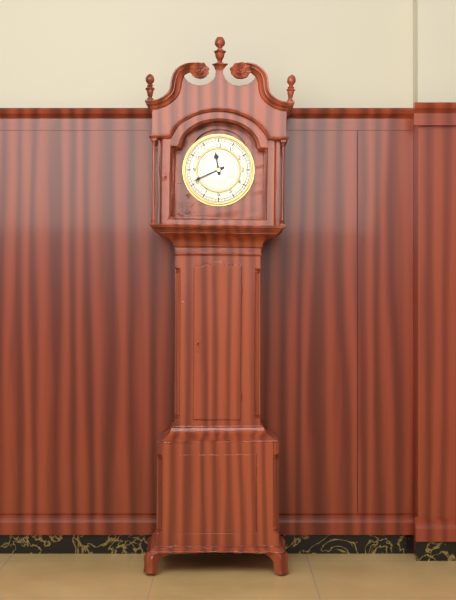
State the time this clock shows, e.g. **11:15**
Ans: **11:41**
